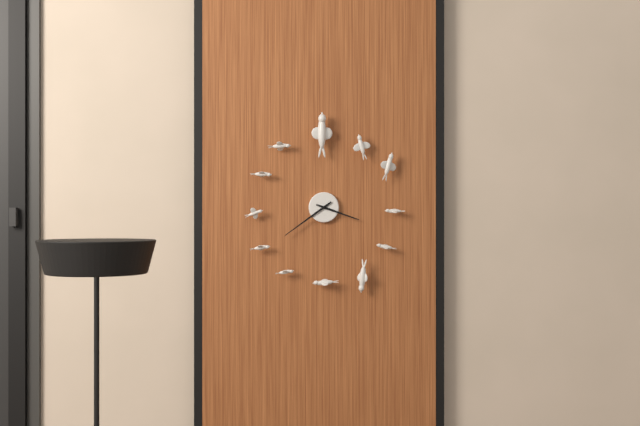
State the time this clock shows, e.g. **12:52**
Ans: **3:39**
